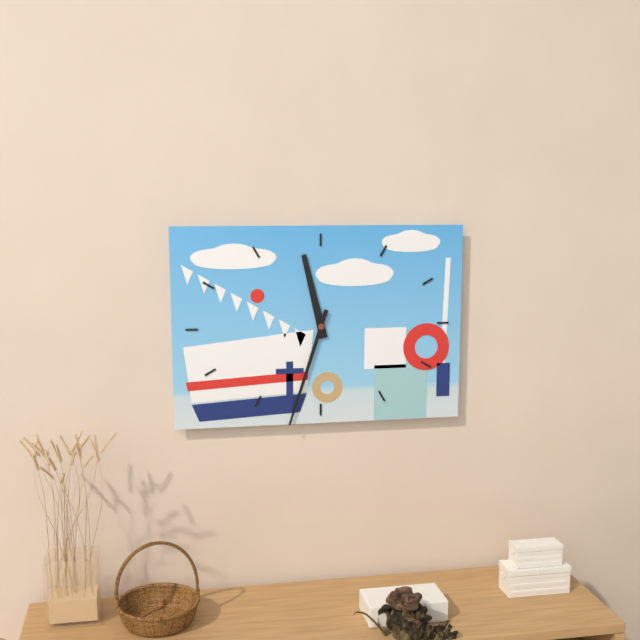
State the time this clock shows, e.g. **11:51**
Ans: **11:33**
